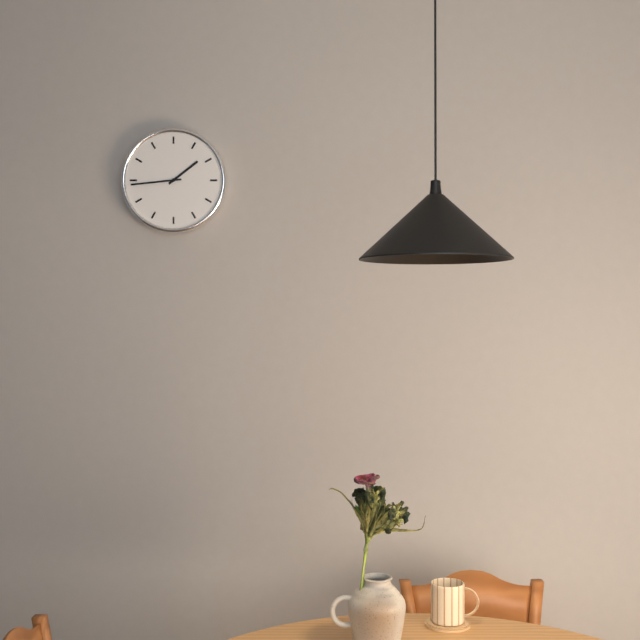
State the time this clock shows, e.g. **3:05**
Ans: **1:44**
